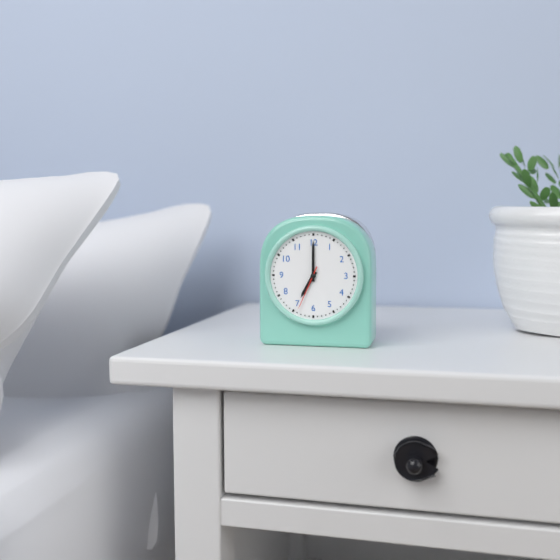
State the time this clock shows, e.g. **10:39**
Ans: **7:00**
